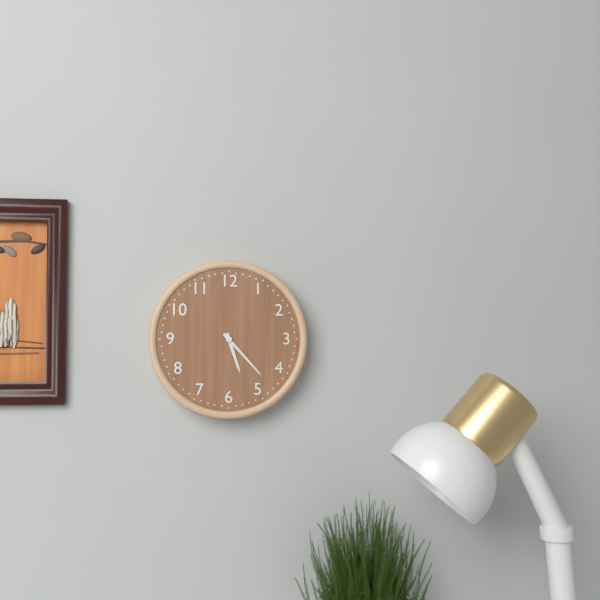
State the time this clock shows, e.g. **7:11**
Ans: **5:23**
